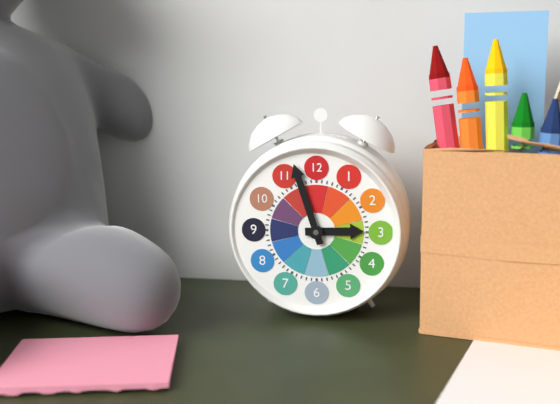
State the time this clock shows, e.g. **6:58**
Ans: **2:57**
